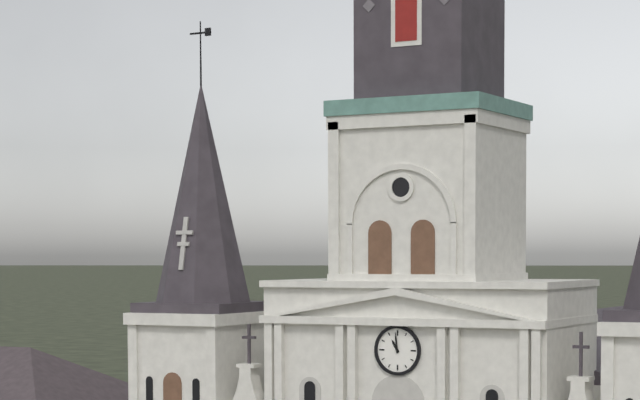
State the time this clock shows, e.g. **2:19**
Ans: **10:59**
